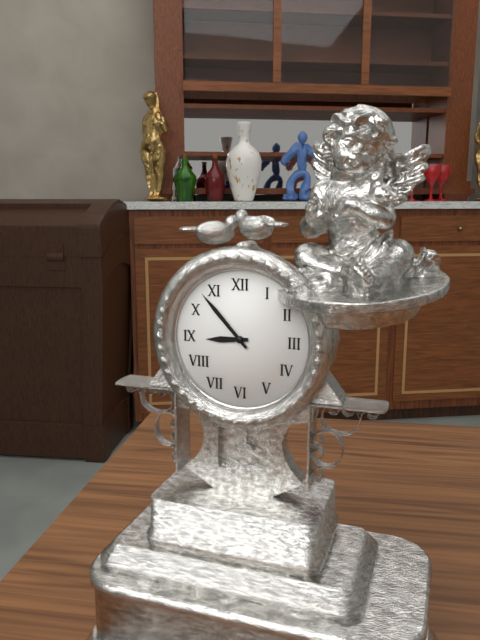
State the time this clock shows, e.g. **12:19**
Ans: **8:53**
